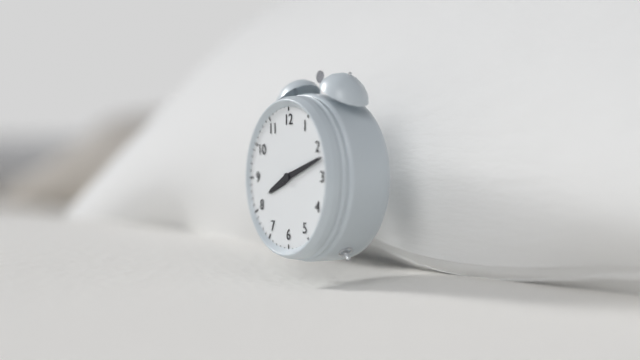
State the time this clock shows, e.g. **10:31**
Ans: **8:12**
